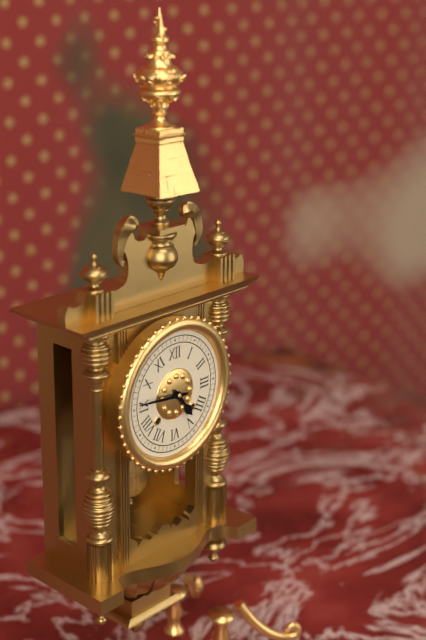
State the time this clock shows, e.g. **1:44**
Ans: **4:46**
